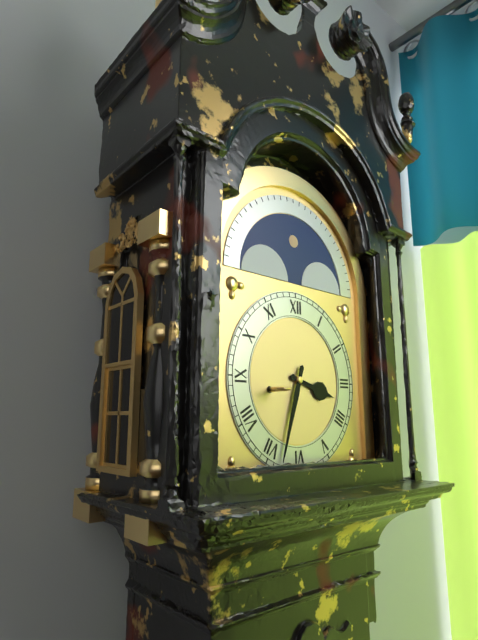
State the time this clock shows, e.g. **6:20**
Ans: **3:33**
